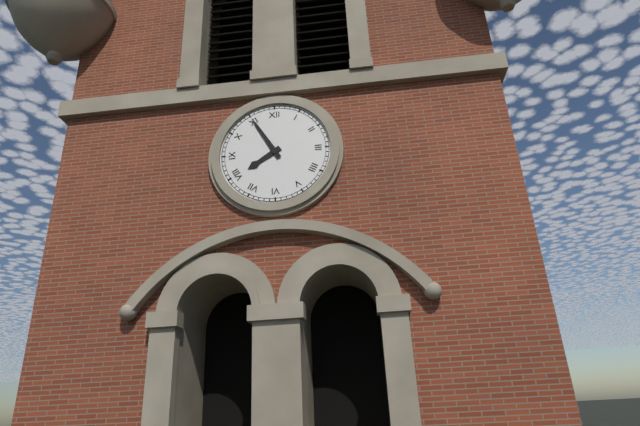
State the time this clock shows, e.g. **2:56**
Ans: **7:55**
